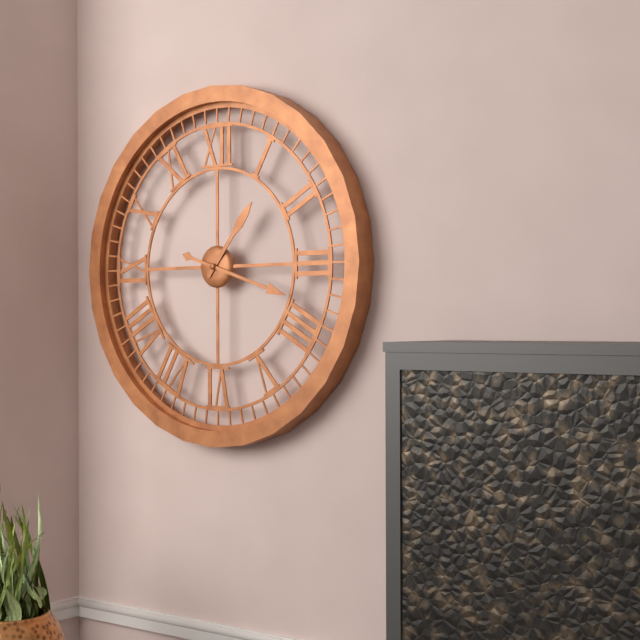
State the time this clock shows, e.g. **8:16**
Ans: **1:18**
